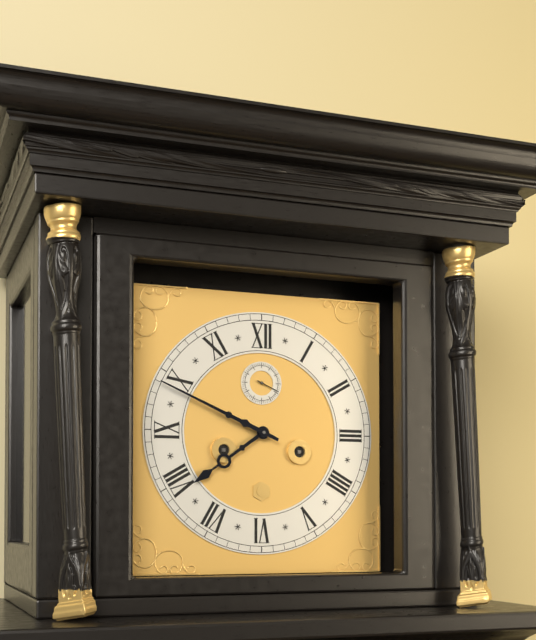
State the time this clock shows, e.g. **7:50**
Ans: **7:49**
